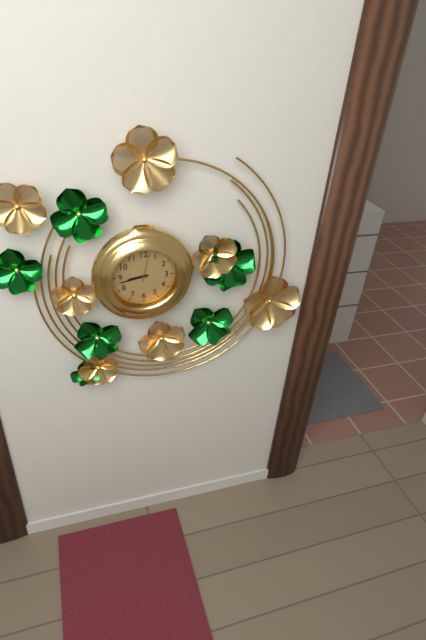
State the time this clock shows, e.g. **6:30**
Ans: **8:43**
